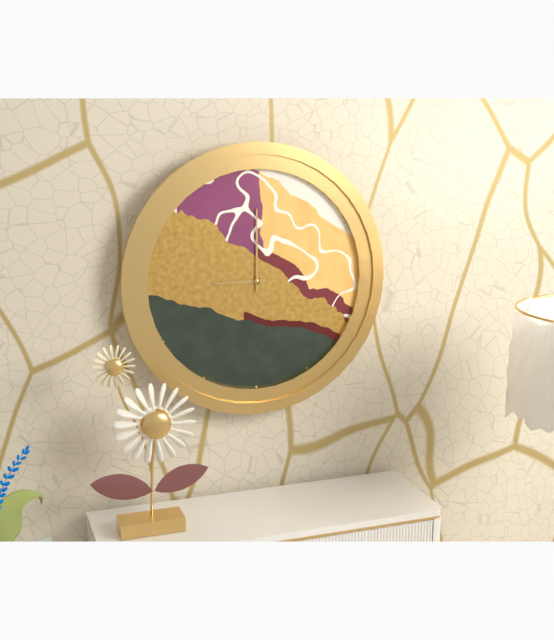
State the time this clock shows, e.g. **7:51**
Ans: **9:00**
